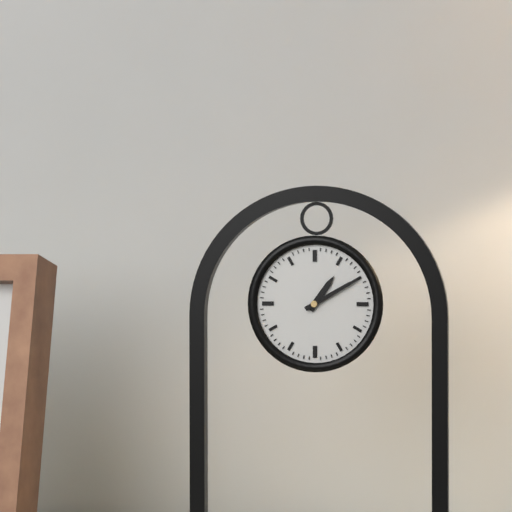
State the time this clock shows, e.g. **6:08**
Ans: **1:10**
